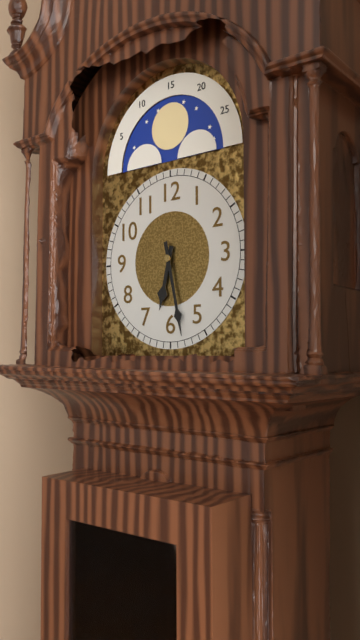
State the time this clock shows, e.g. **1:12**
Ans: **6:28**
